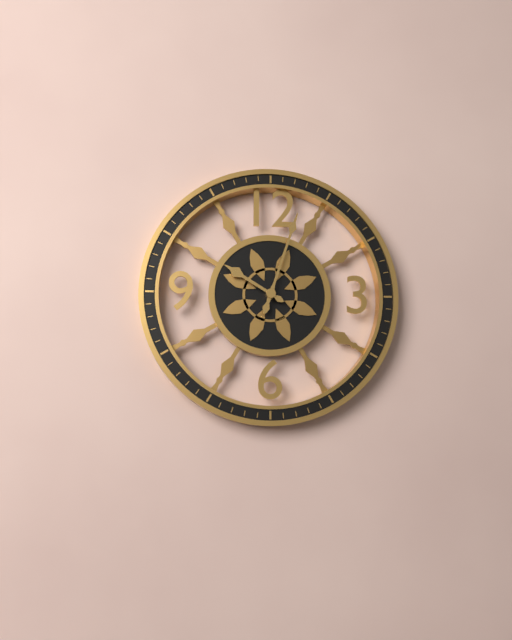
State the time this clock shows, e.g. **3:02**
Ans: **10:03**
